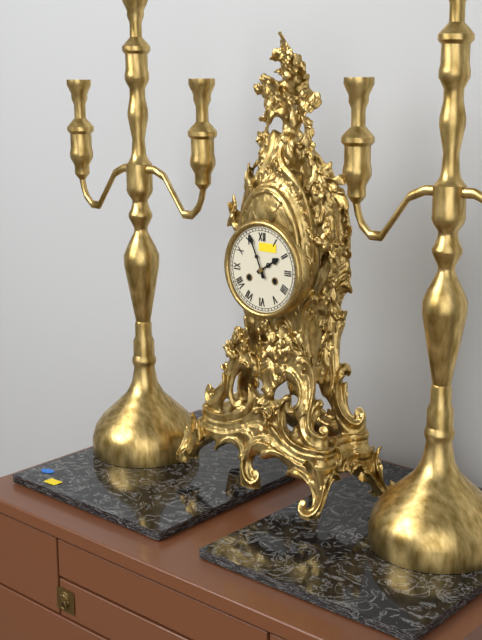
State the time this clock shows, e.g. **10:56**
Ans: **1:56**
